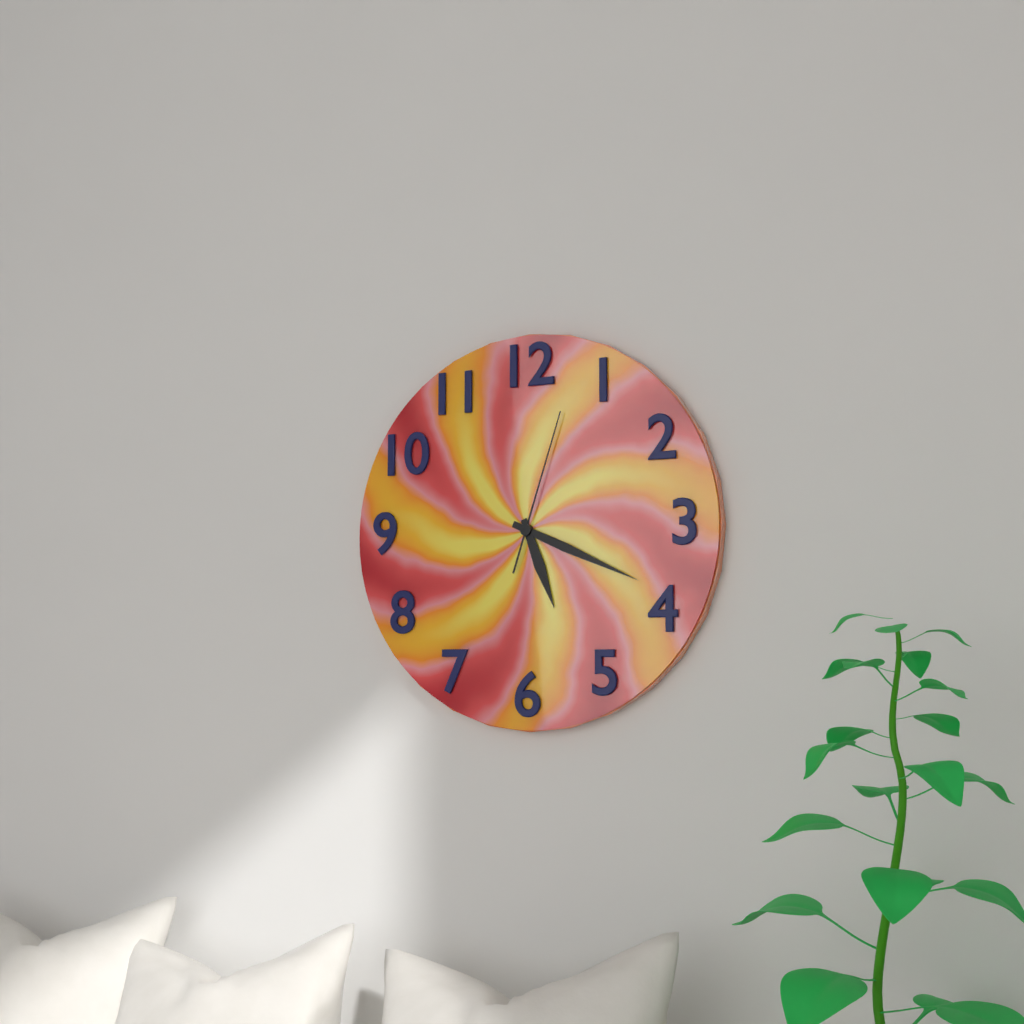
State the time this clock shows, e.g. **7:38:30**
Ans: **5:19:03**
